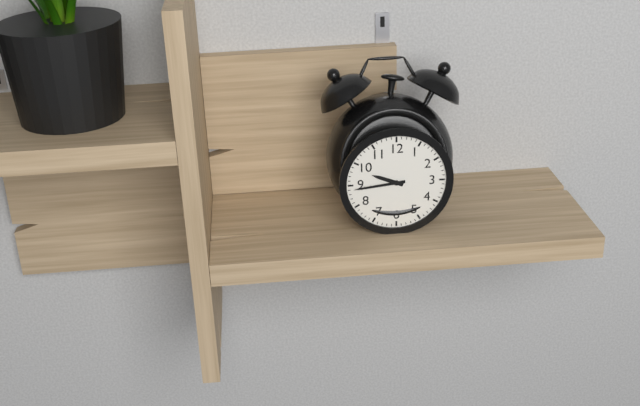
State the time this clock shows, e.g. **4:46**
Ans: **9:44**
